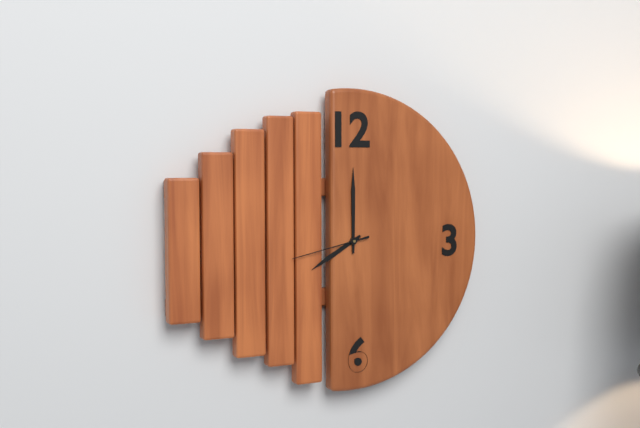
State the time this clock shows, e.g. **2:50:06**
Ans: **8:00:43**
